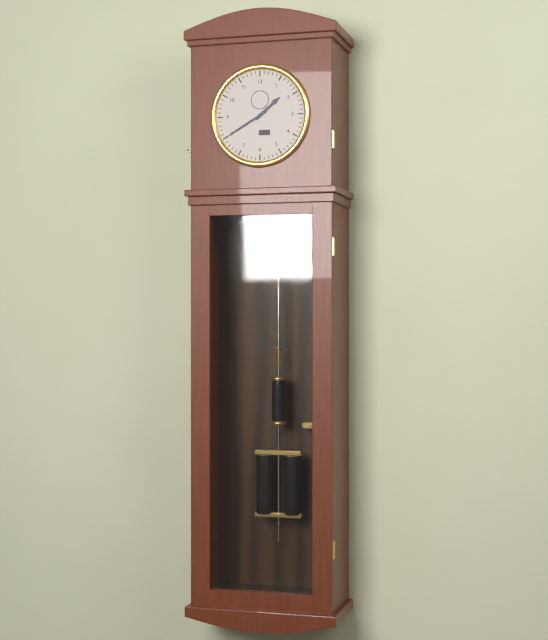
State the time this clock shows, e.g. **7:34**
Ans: **1:40**
